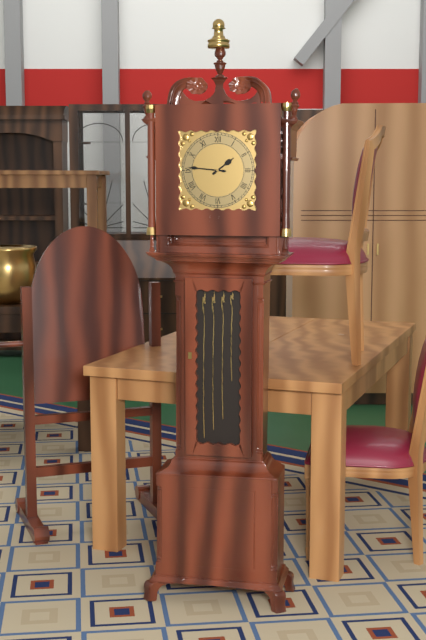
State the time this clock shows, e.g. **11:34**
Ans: **1:46**
